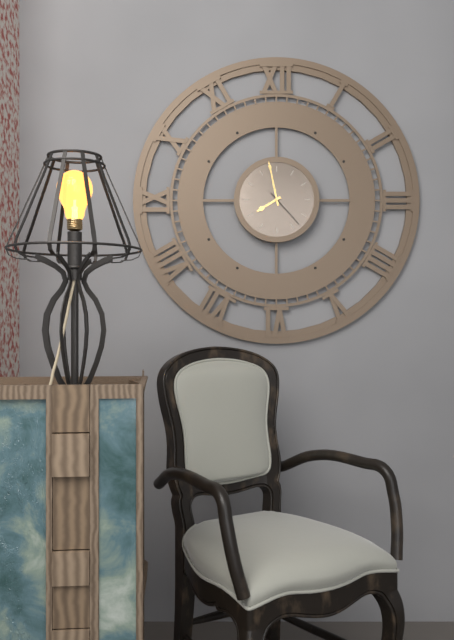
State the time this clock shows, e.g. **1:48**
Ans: **7:58**
